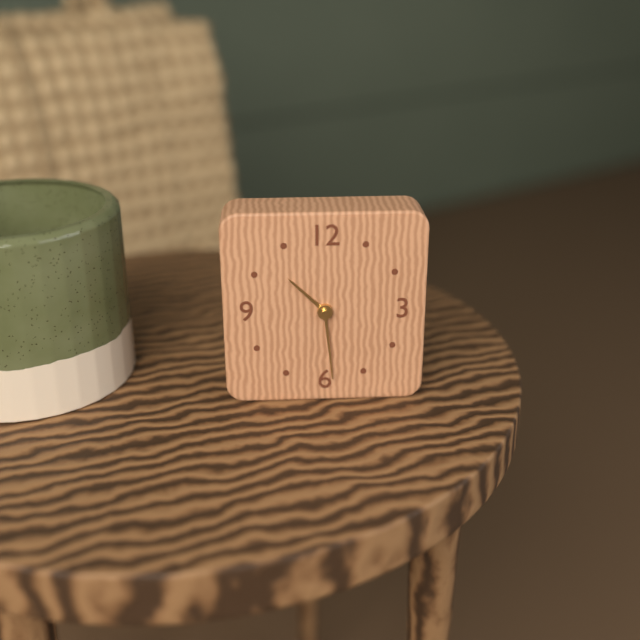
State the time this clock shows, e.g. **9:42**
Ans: **10:29**
